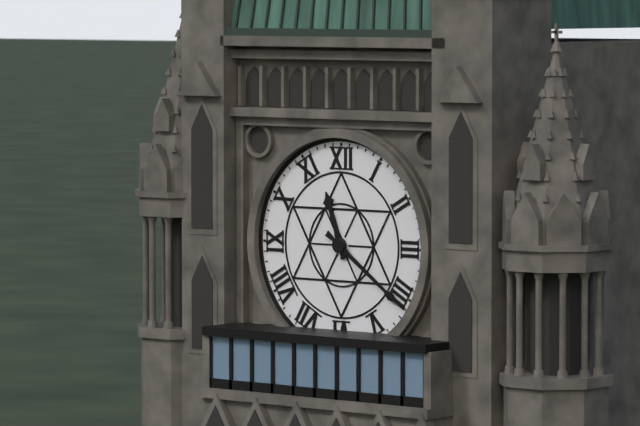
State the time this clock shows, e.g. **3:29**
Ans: **11:21**
